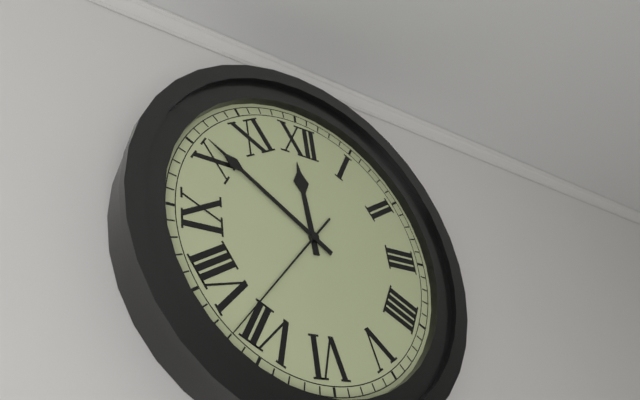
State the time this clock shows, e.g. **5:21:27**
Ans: **11:51:37**
